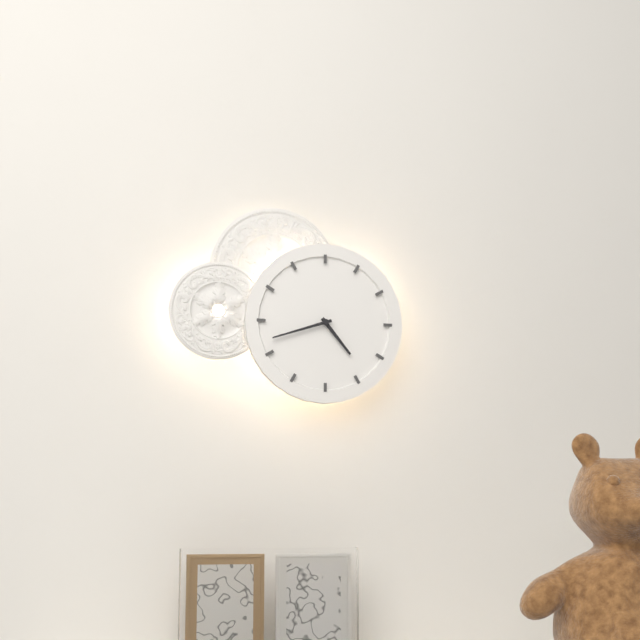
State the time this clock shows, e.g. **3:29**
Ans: **4:42**
